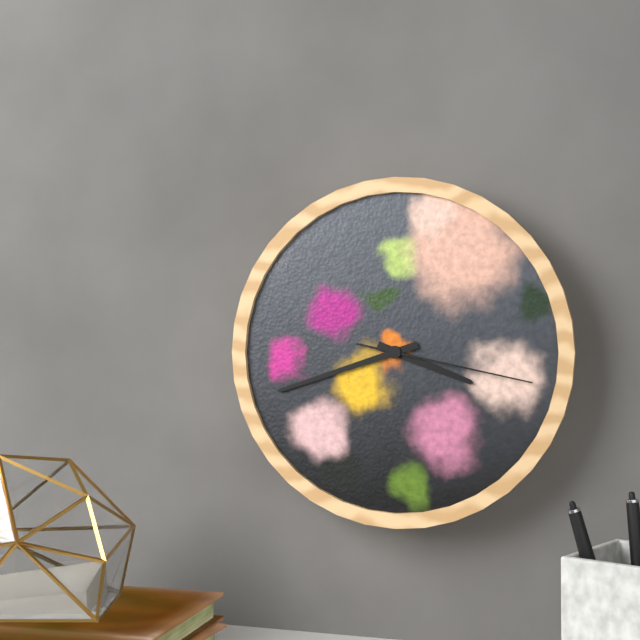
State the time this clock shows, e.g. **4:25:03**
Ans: **3:42:17**
